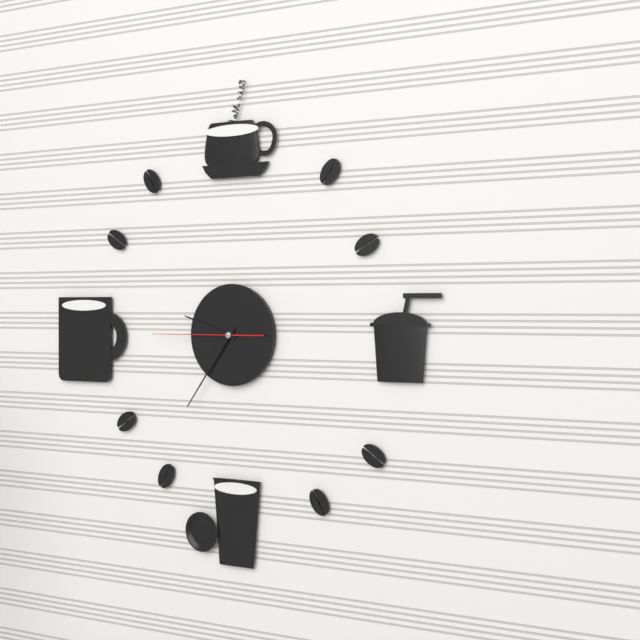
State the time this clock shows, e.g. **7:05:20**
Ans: **9:36:45**
